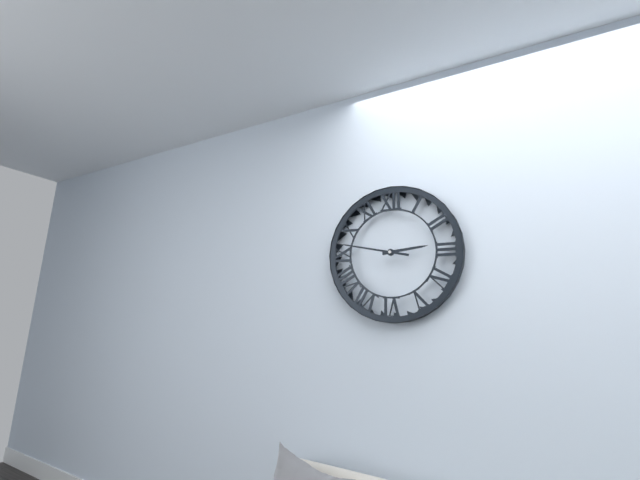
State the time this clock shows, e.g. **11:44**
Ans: **2:47**
